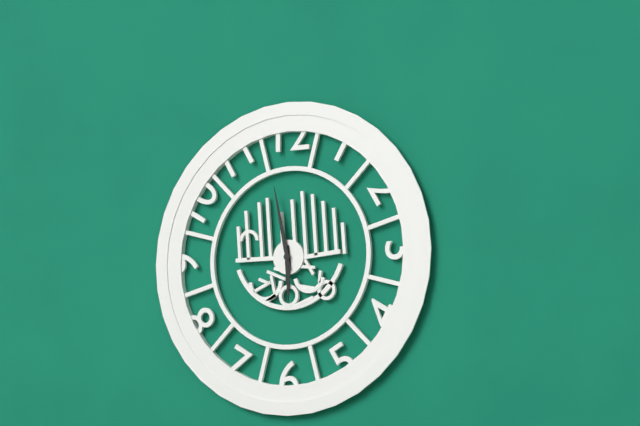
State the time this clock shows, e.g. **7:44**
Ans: **5:58**
